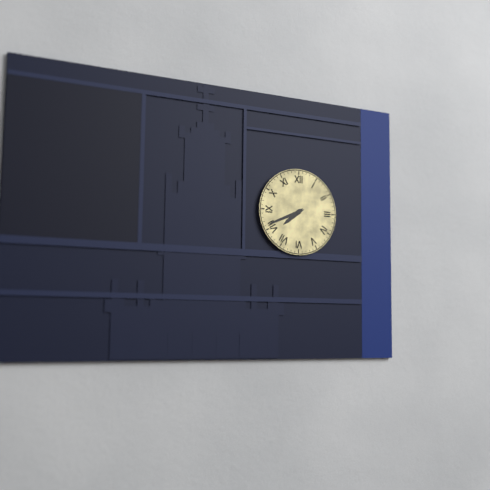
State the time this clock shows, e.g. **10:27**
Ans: **7:41**
